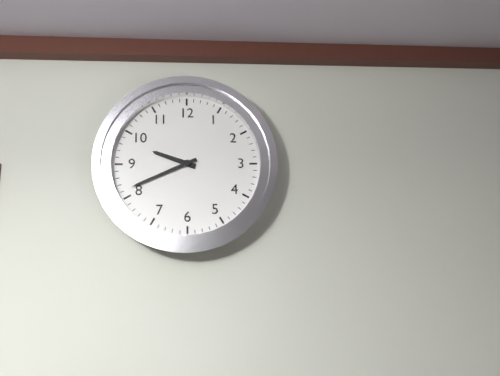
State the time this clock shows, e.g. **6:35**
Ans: **9:41**
